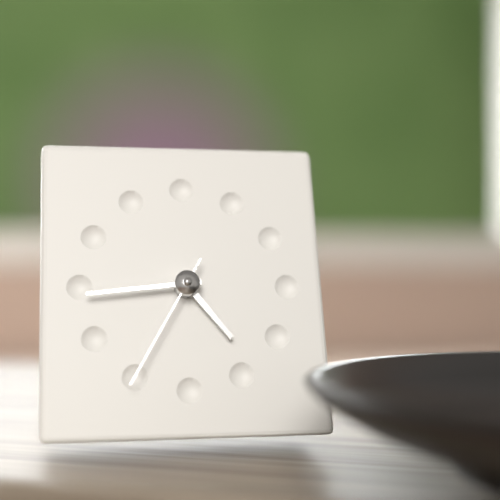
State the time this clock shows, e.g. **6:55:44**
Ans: **4:44:35**
